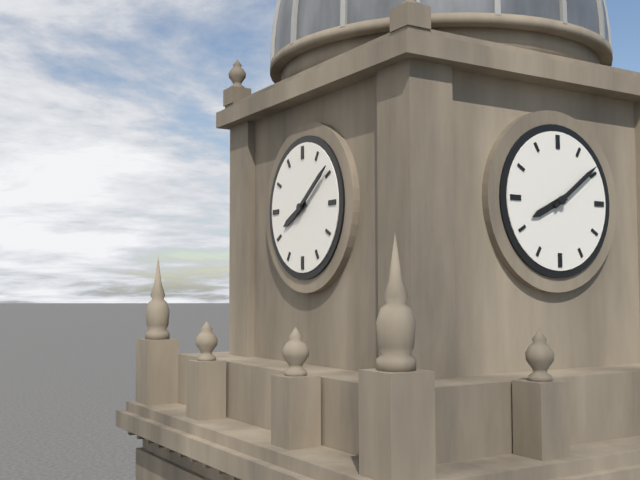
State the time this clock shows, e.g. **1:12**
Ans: **8:09**
